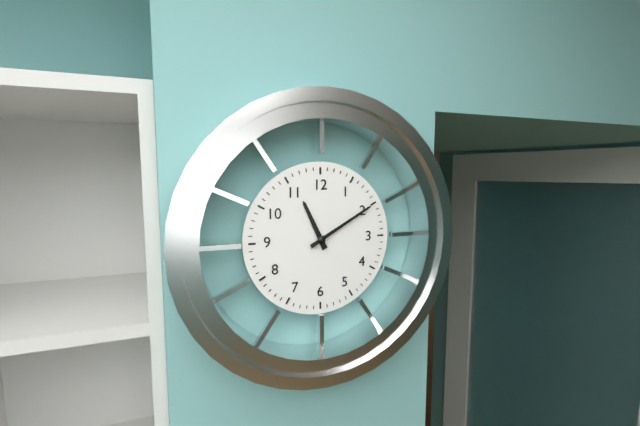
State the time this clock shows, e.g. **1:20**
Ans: **11:10**
